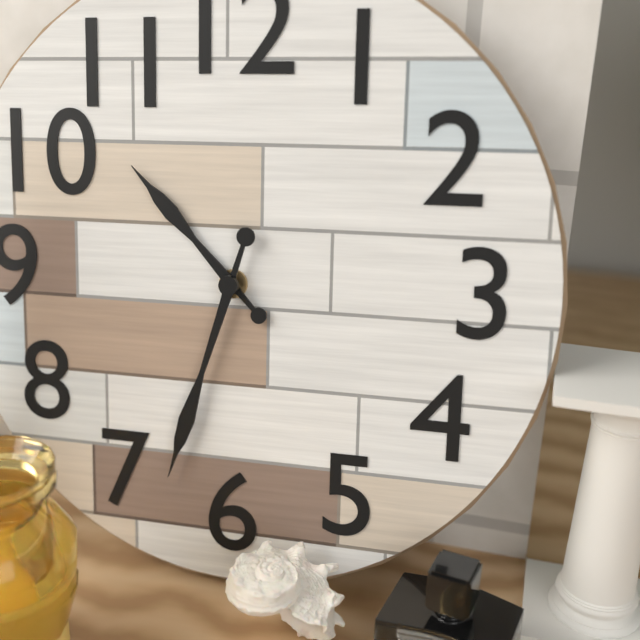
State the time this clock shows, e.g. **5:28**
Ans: **10:33**
